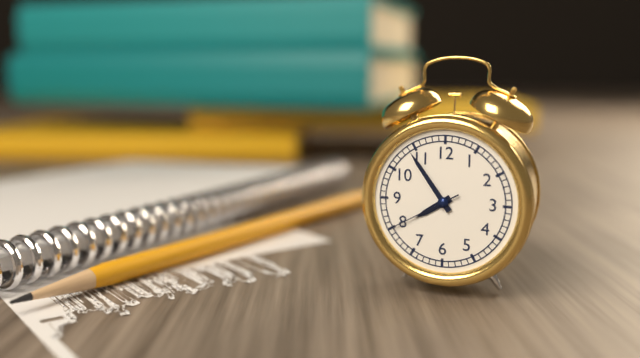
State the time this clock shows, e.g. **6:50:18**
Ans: **7:54:40**
